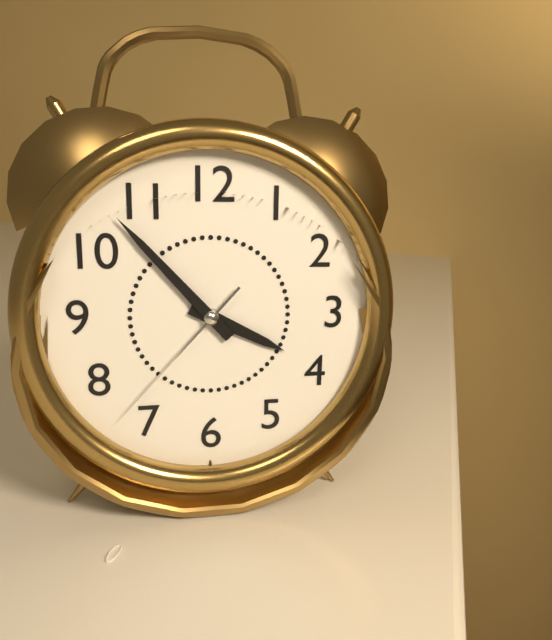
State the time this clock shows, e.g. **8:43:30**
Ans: **3:53:37**
